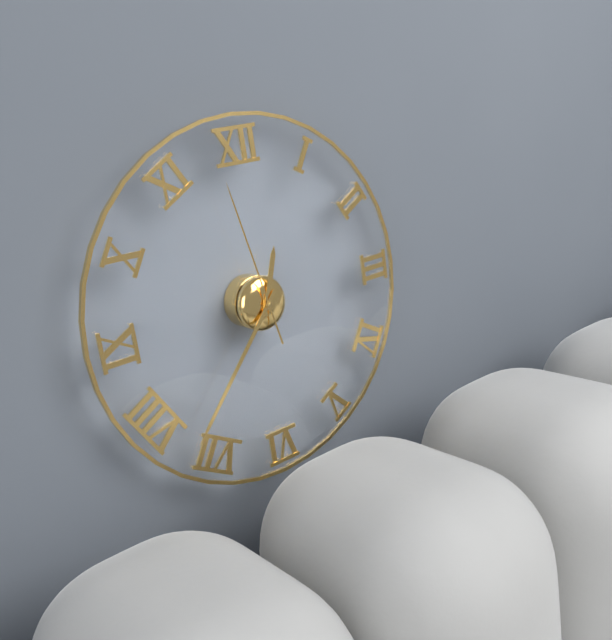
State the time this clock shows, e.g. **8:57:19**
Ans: **12:37:58**
